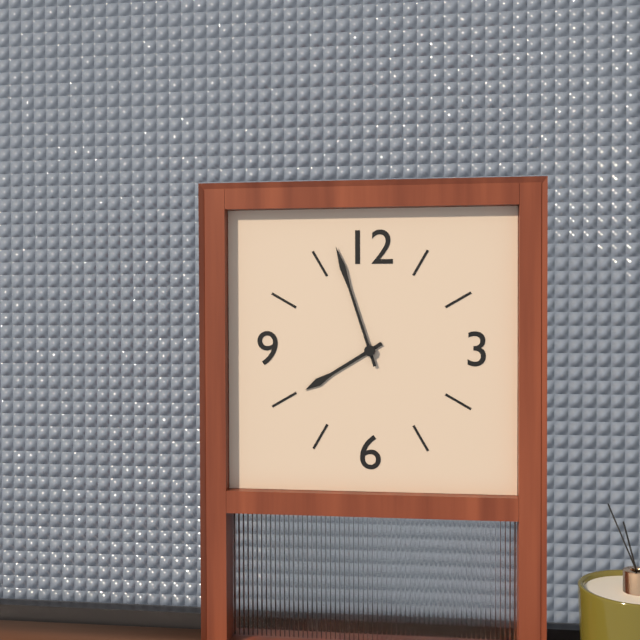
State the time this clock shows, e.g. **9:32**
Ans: **7:57**
